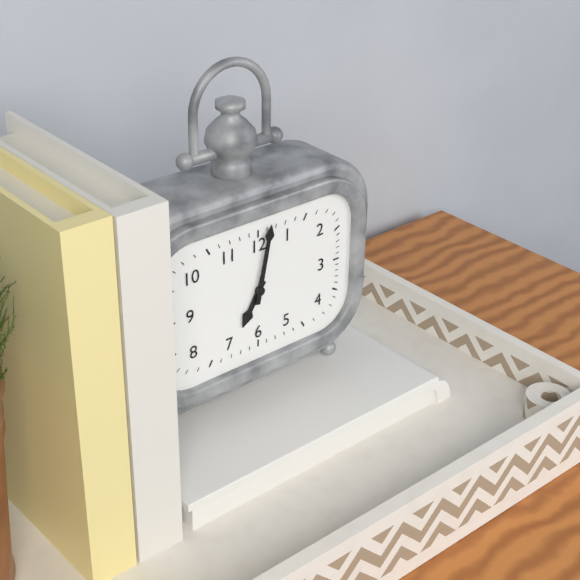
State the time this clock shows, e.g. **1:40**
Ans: **7:02**
